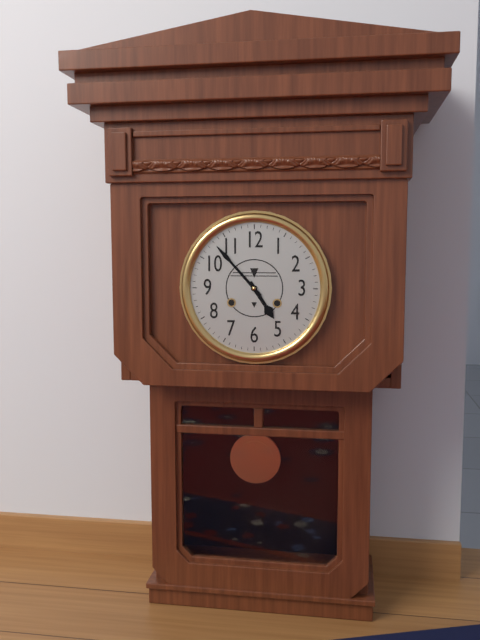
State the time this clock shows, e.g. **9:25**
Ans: **4:53**
